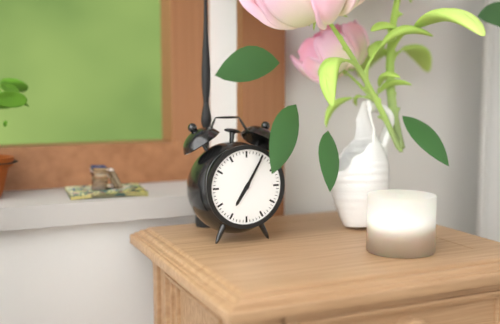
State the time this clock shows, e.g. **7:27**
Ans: **7:05**
